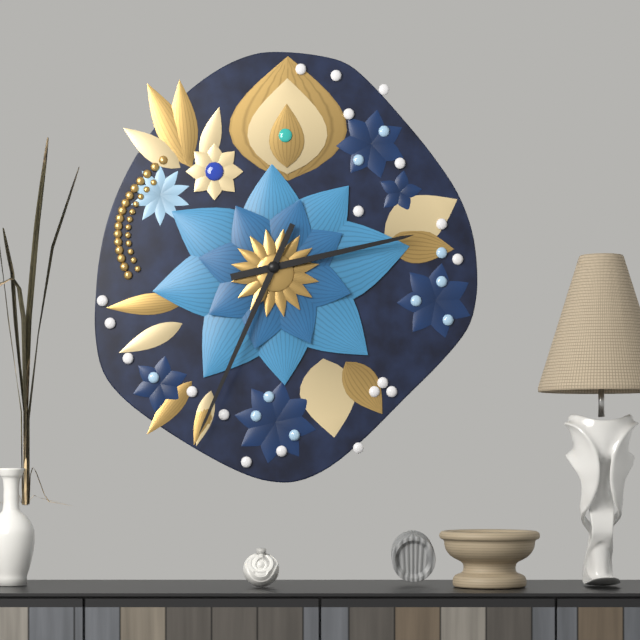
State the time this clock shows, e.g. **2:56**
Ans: **2:34**
